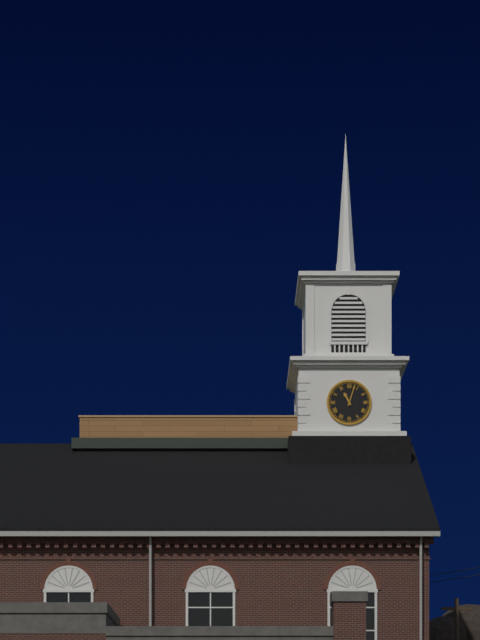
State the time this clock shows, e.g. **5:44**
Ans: **11:03**
